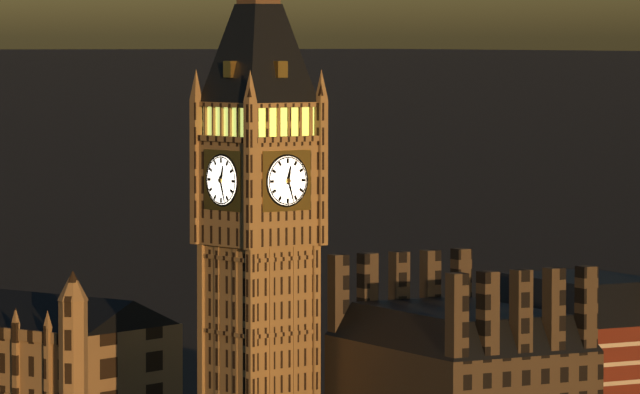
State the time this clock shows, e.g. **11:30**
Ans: **12:27**
